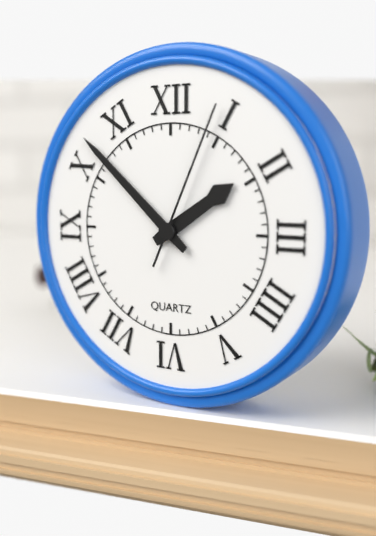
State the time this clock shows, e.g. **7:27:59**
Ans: **1:52:04**
